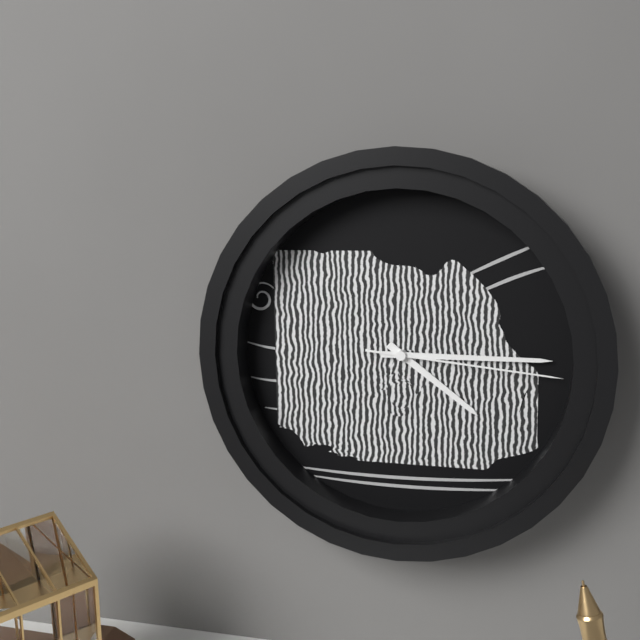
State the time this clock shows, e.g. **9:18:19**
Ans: **4:15:16**
